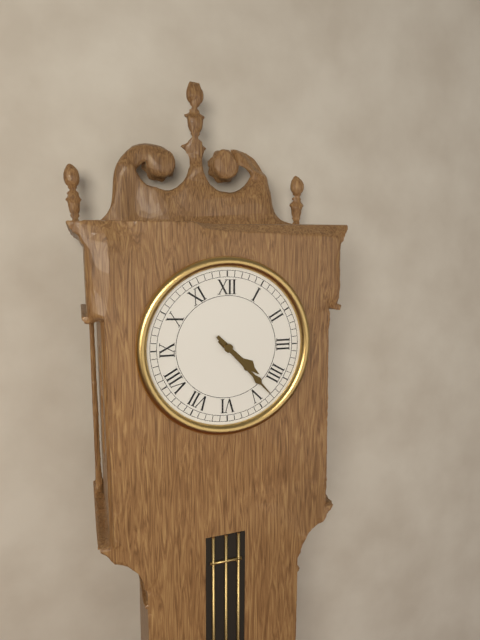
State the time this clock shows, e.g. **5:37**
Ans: **4:23**
